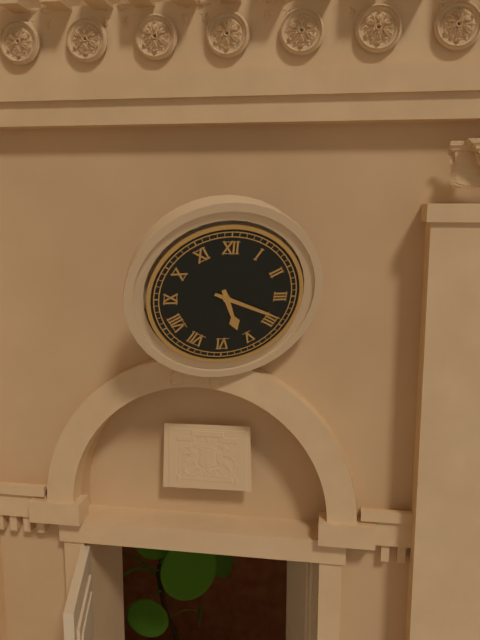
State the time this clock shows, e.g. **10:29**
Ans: **5:19**
